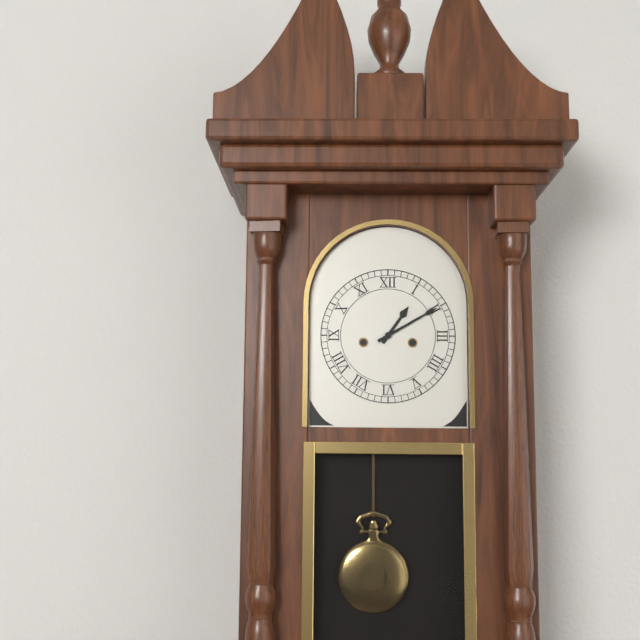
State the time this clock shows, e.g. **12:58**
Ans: **1:10**
